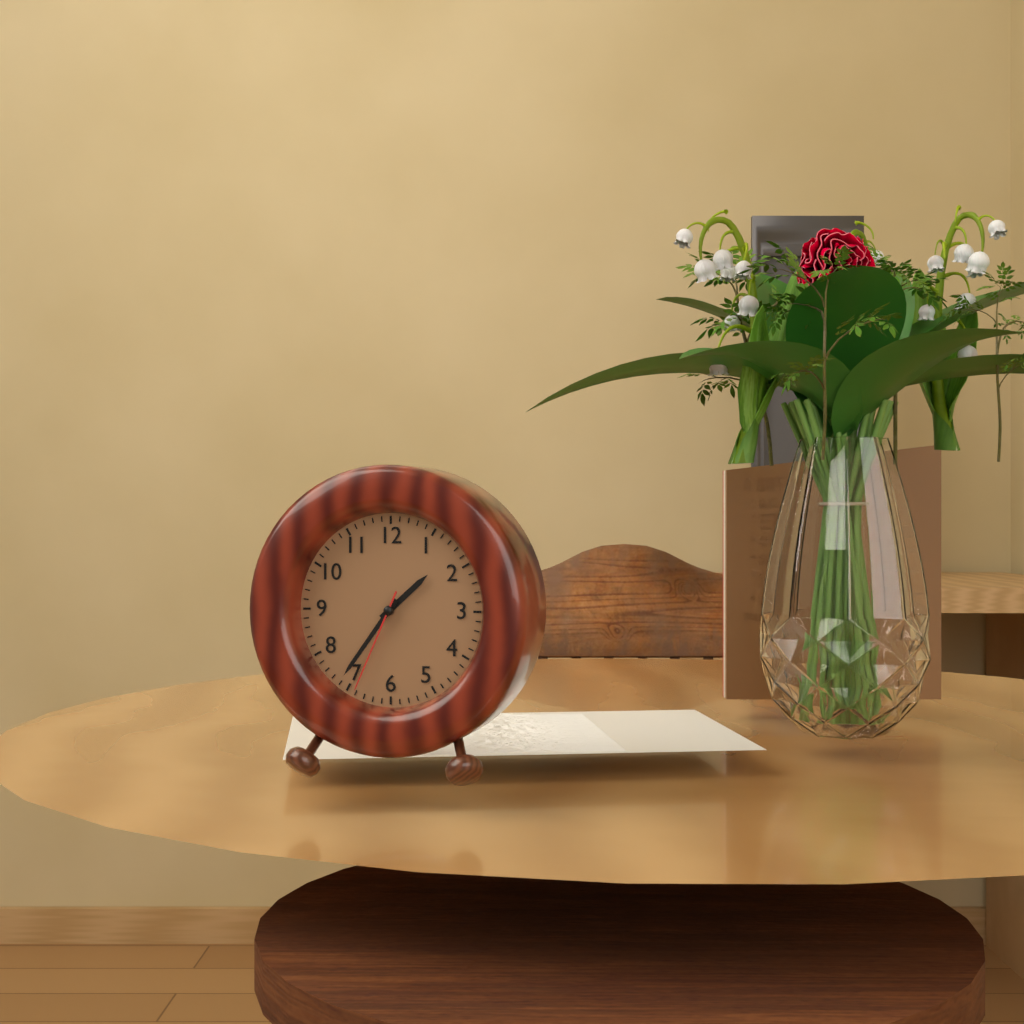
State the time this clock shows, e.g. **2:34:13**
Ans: **1:36:34**
